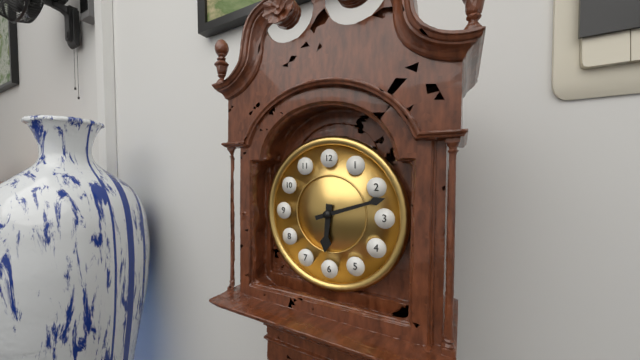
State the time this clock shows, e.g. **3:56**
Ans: **6:12**
